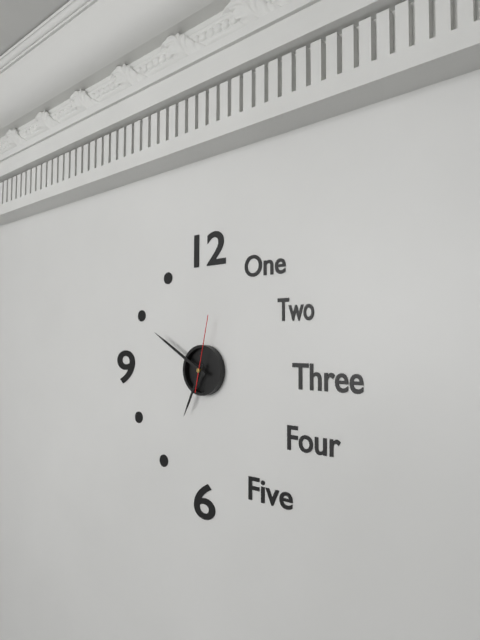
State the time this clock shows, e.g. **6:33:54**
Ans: **6:50:02**
